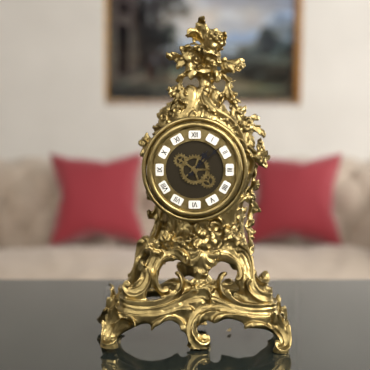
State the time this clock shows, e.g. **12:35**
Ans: **1:08**
